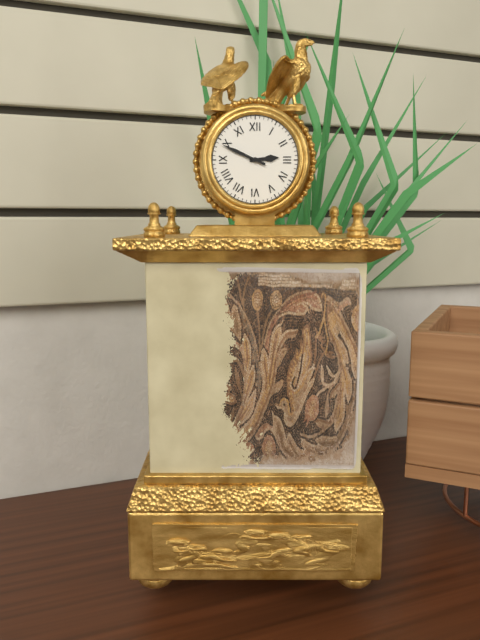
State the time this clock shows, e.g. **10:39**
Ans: **2:49**
